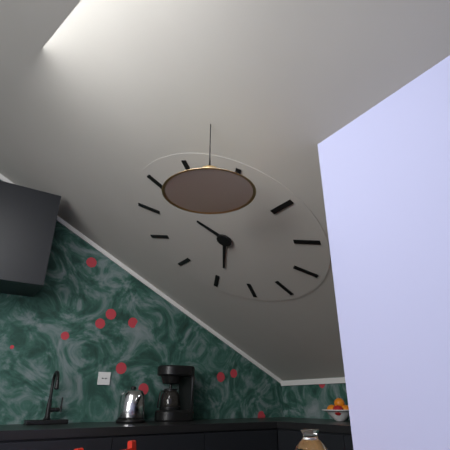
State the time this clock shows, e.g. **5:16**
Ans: **11:39**
